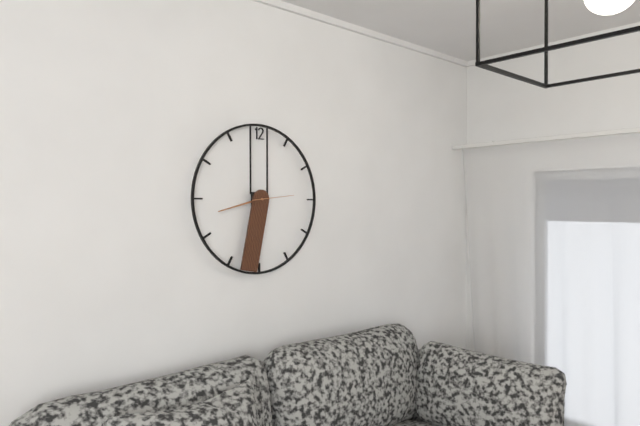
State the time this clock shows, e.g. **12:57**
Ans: **8:32**
